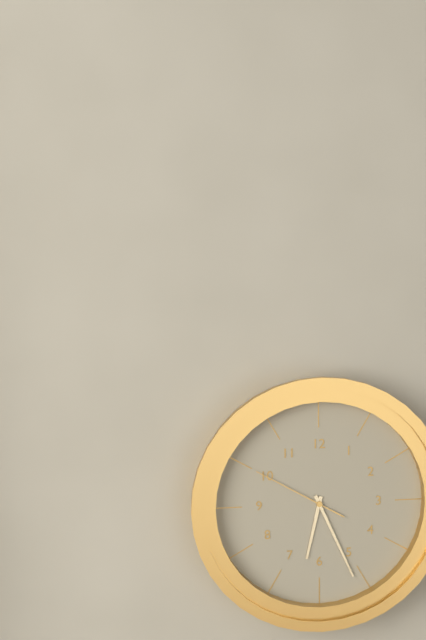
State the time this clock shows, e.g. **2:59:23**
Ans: **6:26:50**
